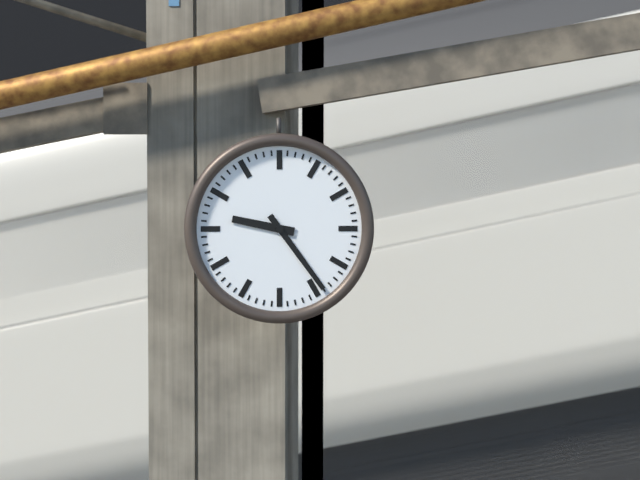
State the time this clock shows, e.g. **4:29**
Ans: **9:24**
